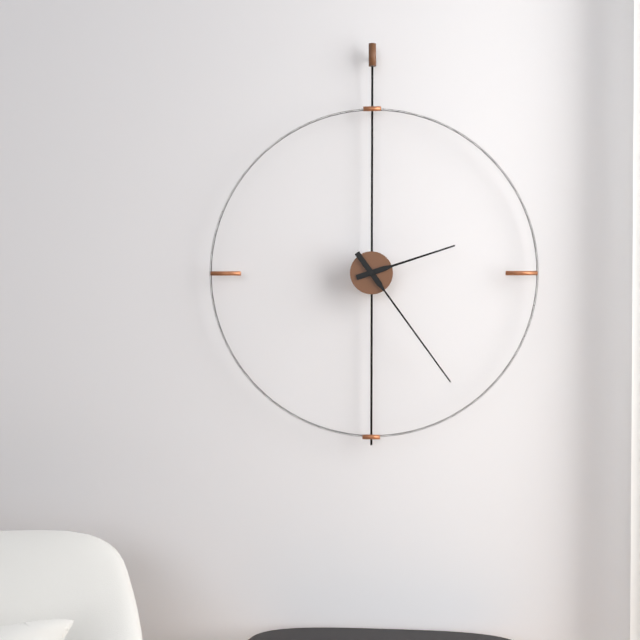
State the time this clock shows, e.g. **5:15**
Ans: **2:24**
